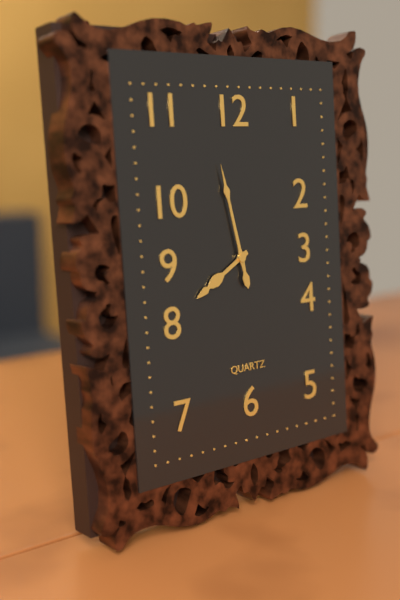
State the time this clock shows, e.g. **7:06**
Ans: **7:58**
